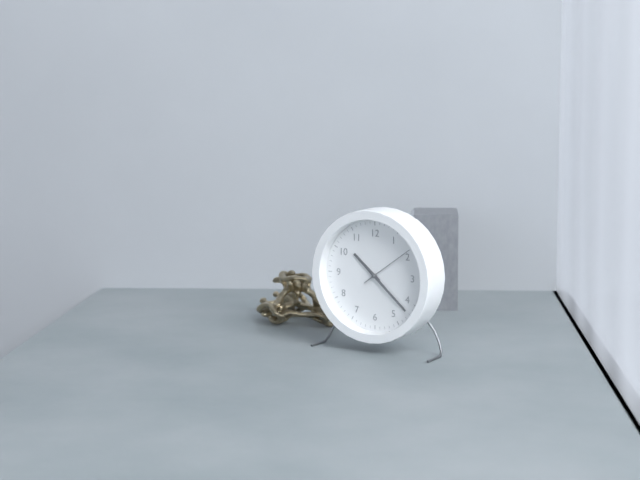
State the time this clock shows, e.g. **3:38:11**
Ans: **10:22:09**
